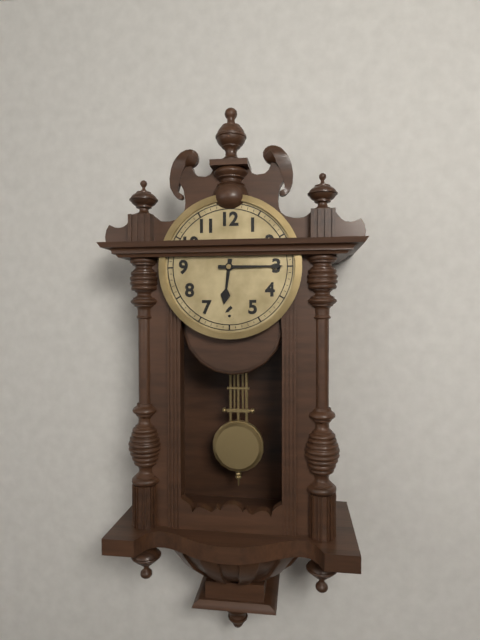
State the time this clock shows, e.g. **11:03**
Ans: **6:15**
